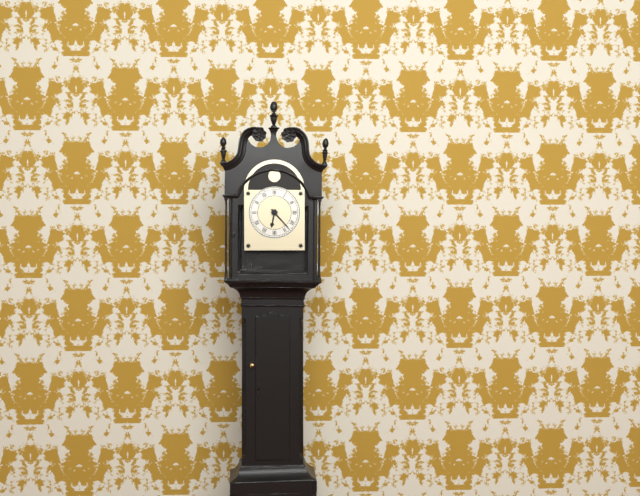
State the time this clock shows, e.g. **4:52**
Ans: **6:23**
